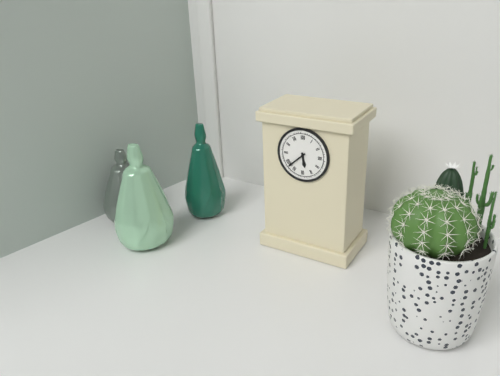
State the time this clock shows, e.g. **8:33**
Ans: **5:38**
